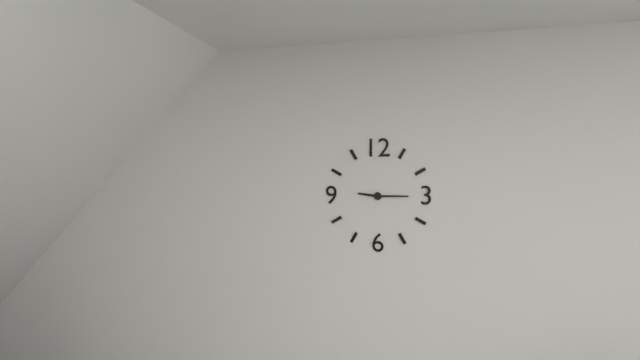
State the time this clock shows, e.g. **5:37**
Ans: **9:15**
